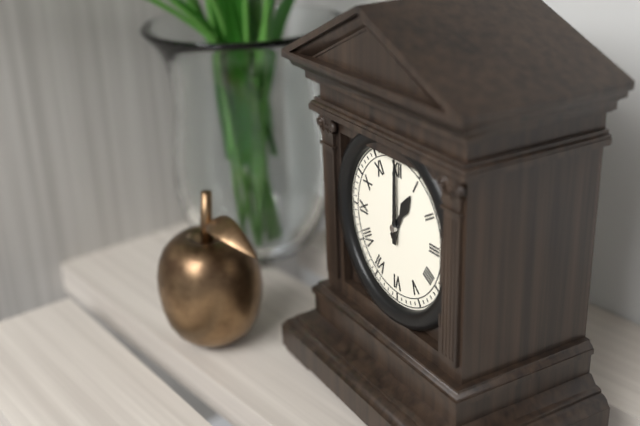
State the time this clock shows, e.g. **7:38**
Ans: **1:00**
